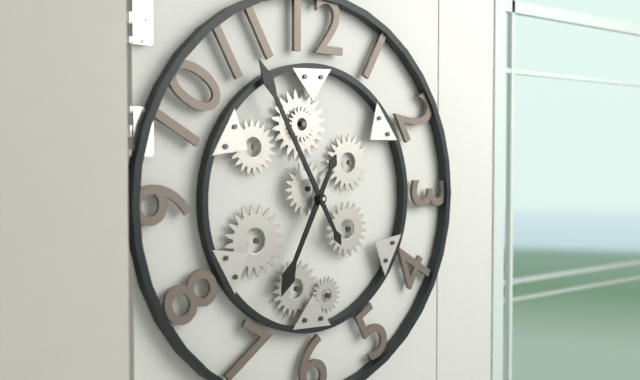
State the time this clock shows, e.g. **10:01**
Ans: **6:55**
